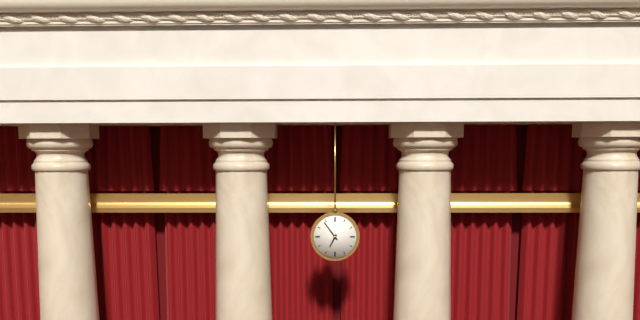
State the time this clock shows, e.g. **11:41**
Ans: **6:54**
